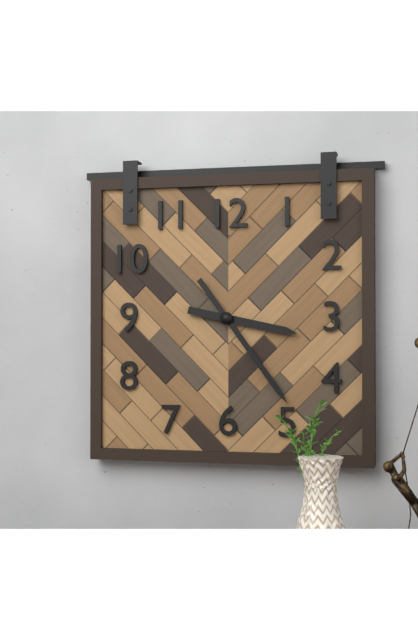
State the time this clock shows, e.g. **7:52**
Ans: **3:24**
